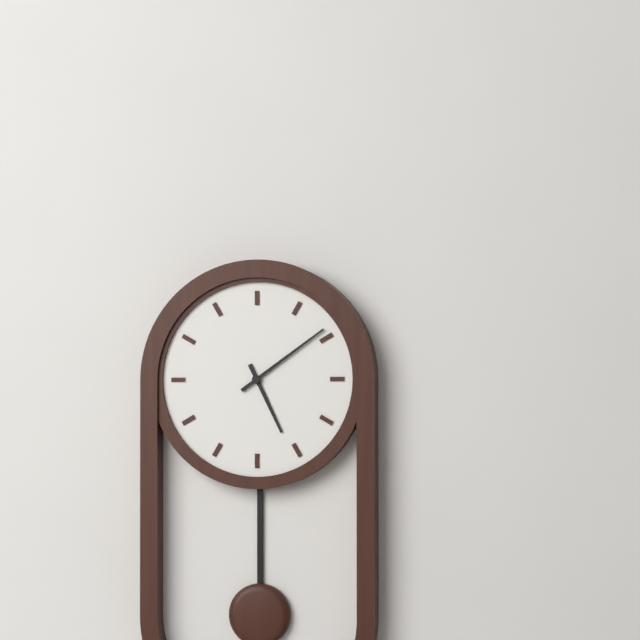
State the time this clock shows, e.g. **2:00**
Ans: **5:09**
